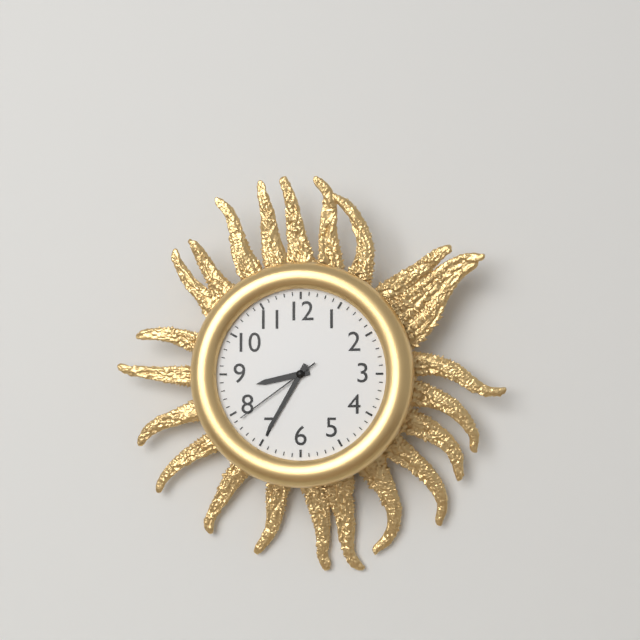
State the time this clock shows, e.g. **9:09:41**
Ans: **8:35:39**
